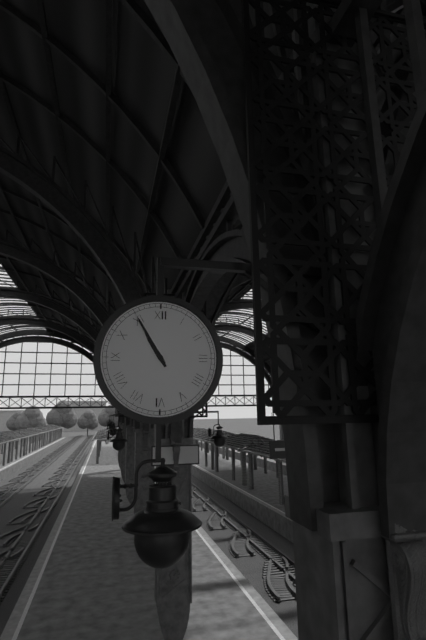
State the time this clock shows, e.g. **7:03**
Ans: **10:55**
